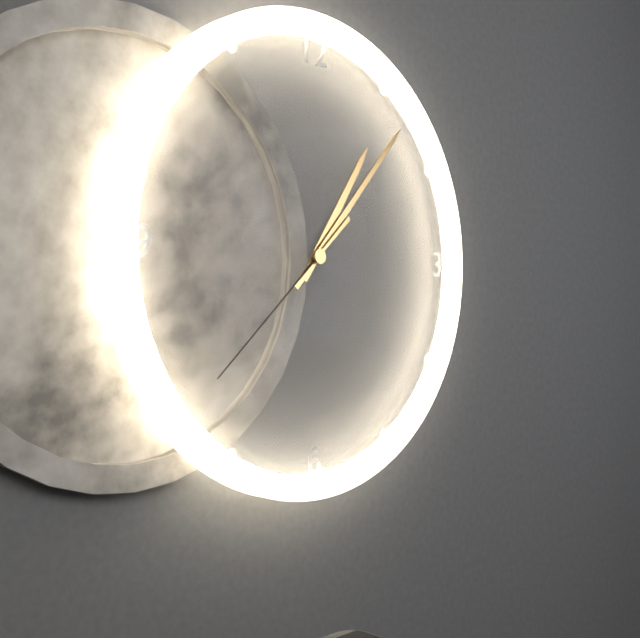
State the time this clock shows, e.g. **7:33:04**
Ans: **1:07:38**
